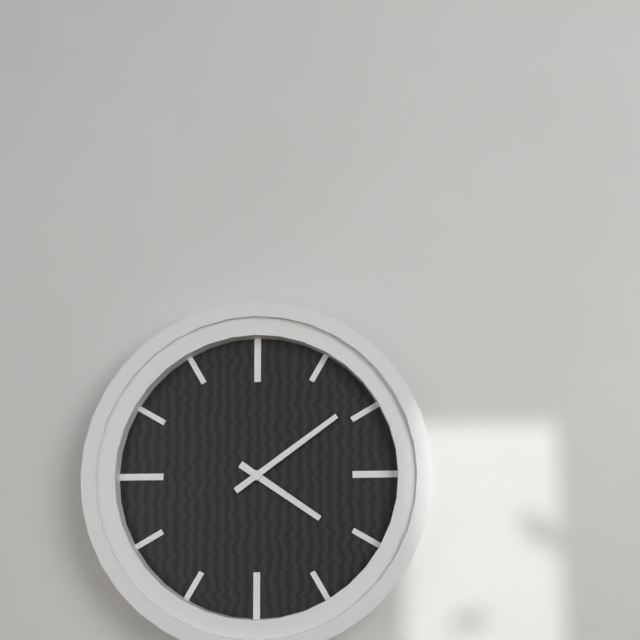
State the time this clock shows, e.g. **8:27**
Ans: **4:09**
